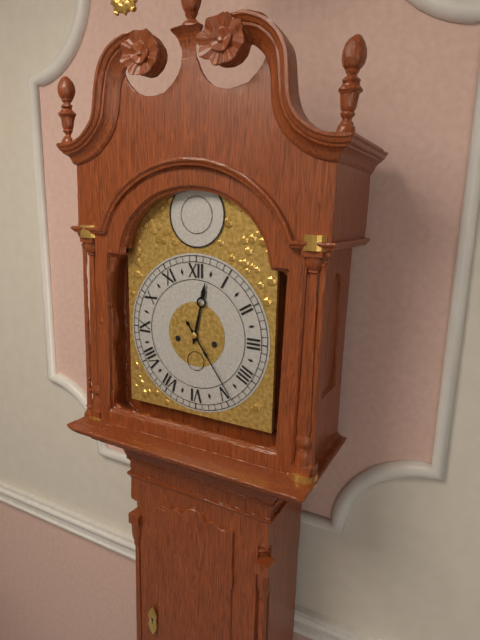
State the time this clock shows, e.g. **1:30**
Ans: **12:24**
